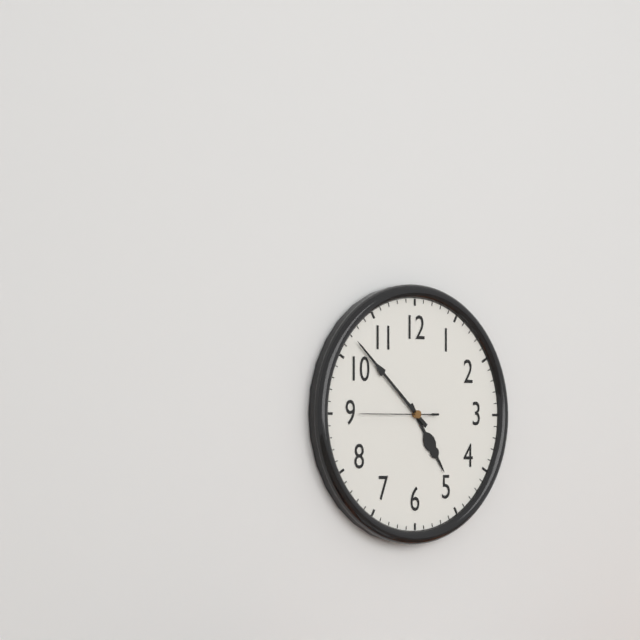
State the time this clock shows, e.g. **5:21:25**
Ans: **4:52:45**
